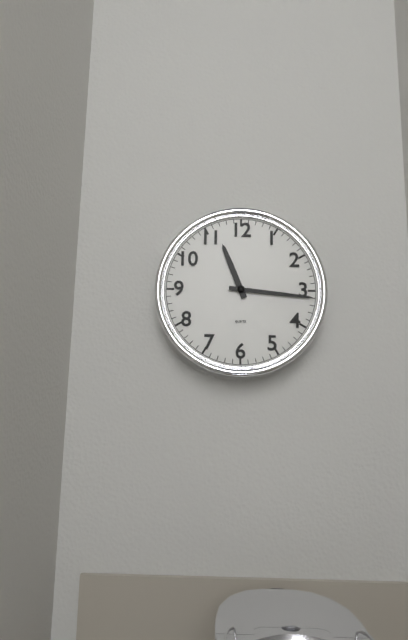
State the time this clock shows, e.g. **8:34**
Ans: **11:16**
